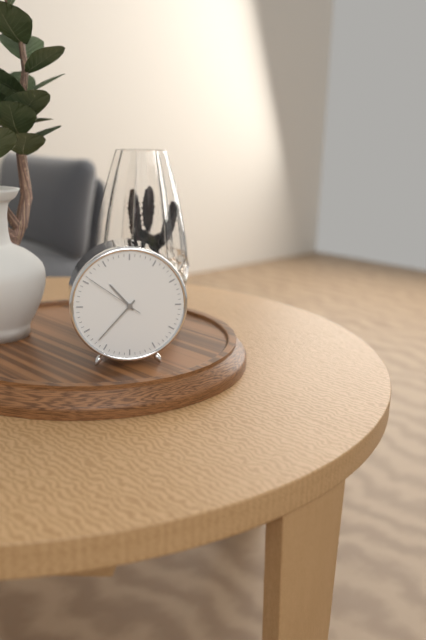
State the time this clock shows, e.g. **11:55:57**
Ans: **10:37:51**
